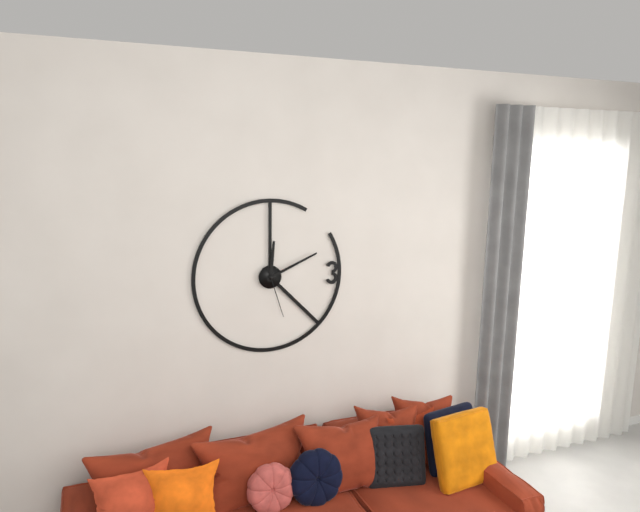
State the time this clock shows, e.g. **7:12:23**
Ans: **12:11:27**
